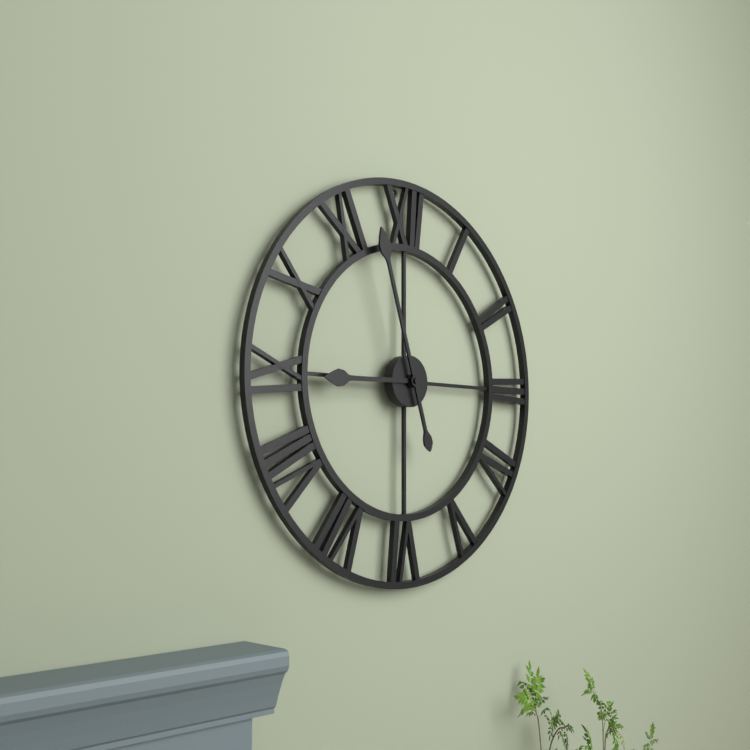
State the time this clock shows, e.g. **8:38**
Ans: **8:57**
